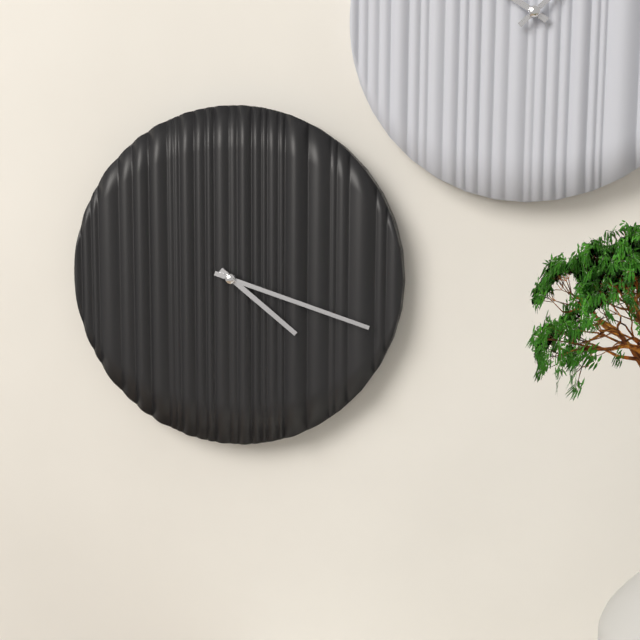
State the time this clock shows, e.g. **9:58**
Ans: **4:18**
